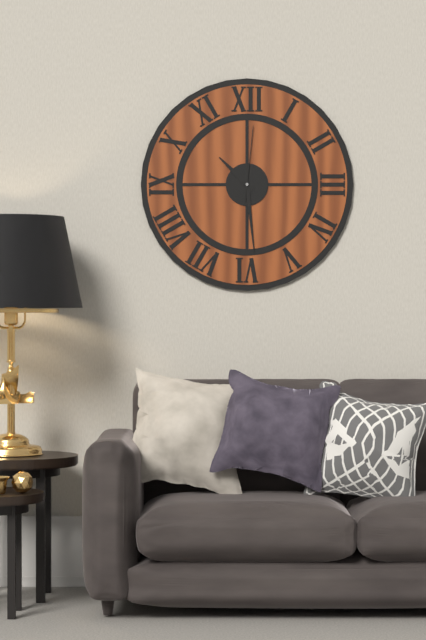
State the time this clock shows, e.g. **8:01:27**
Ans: **10:29:01**
